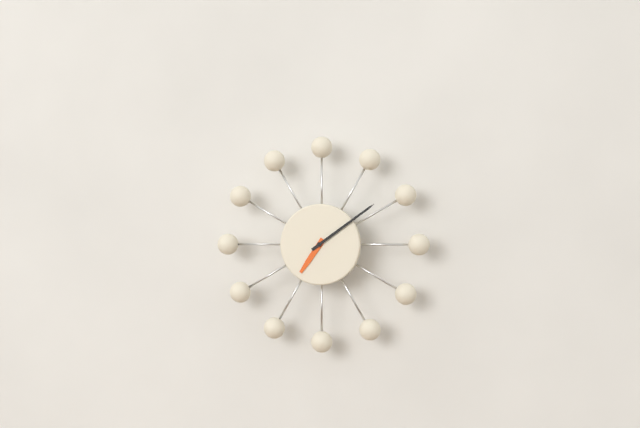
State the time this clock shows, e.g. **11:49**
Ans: **7:09**
